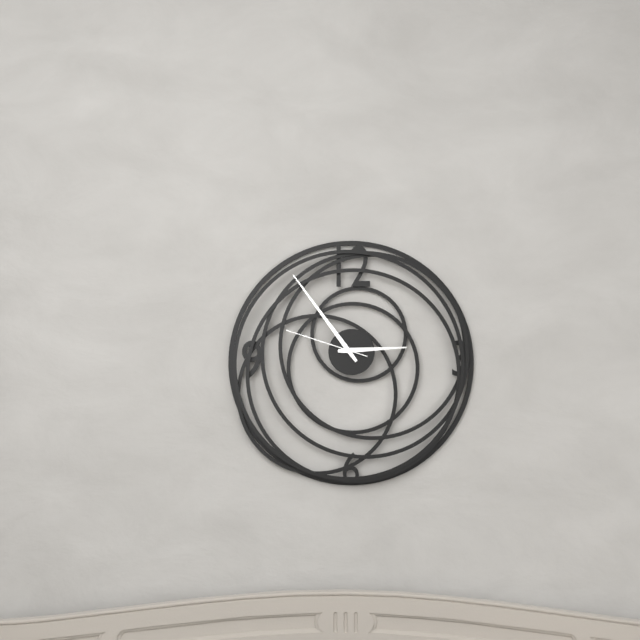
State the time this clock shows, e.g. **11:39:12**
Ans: **2:54:48**
